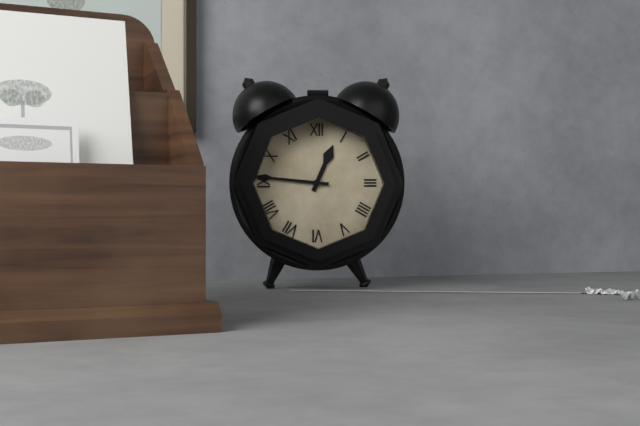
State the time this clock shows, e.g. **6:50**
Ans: **12:46**
